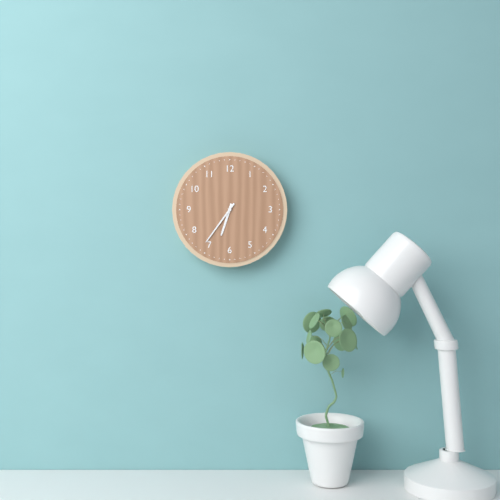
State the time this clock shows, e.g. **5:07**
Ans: **6:36**
